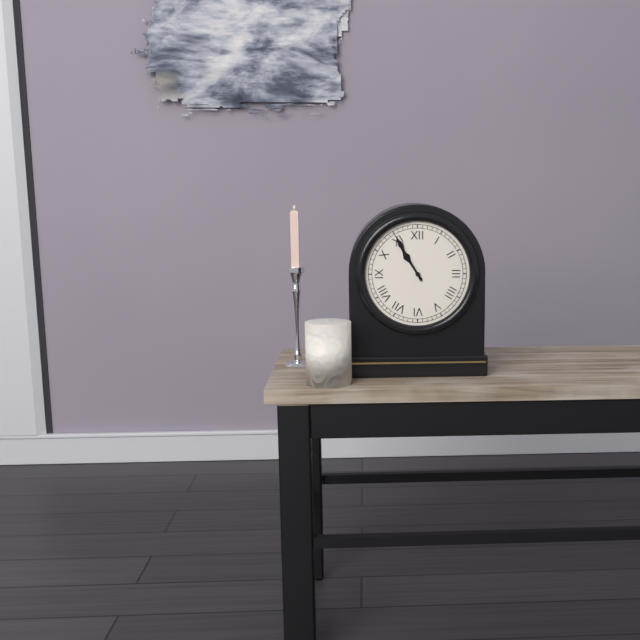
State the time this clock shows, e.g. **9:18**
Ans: **10:55**
